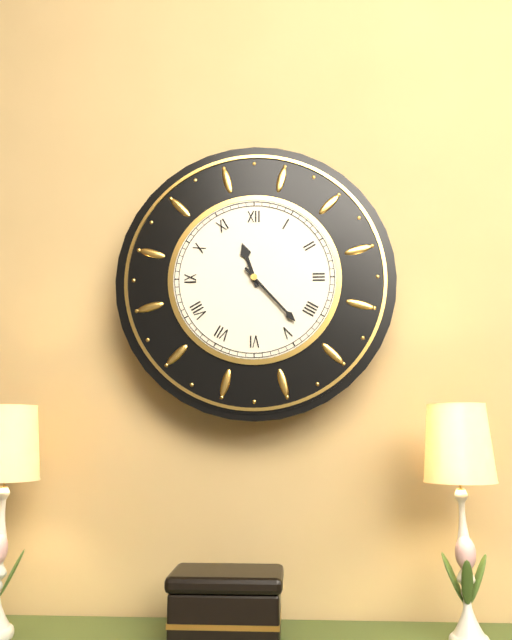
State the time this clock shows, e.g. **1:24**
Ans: **11:23**
